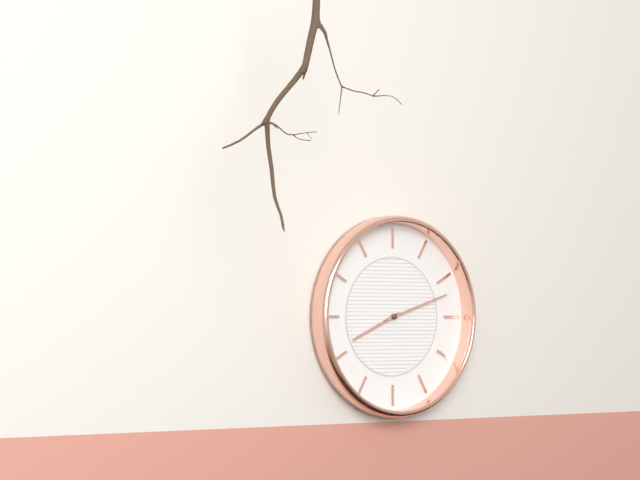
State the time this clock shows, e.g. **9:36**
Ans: **8:12**
